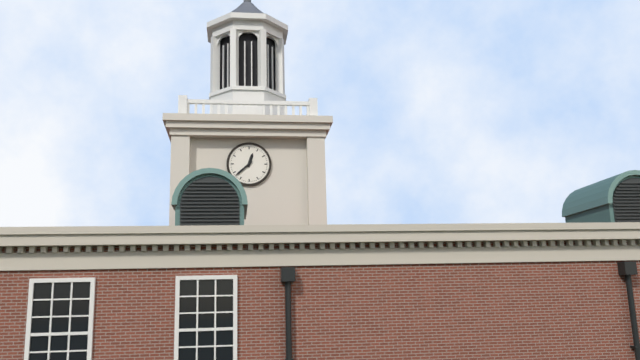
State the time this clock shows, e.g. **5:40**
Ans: **12:38**
